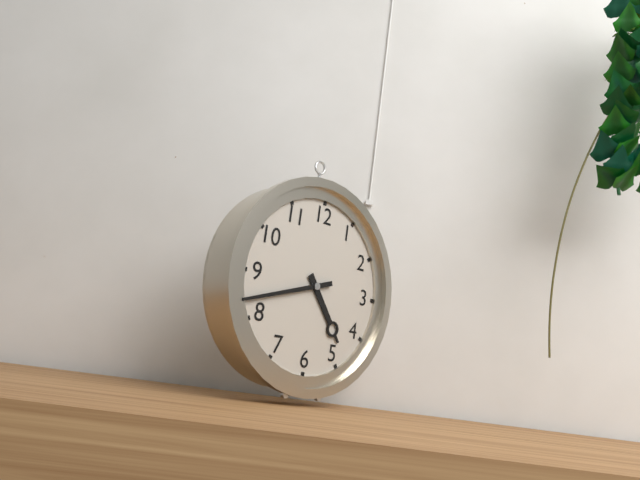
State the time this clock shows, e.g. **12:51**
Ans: **4:42**
